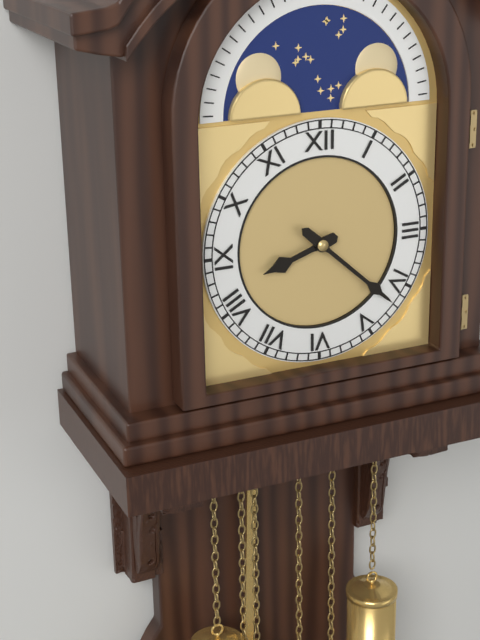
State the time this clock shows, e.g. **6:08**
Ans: **8:22**
